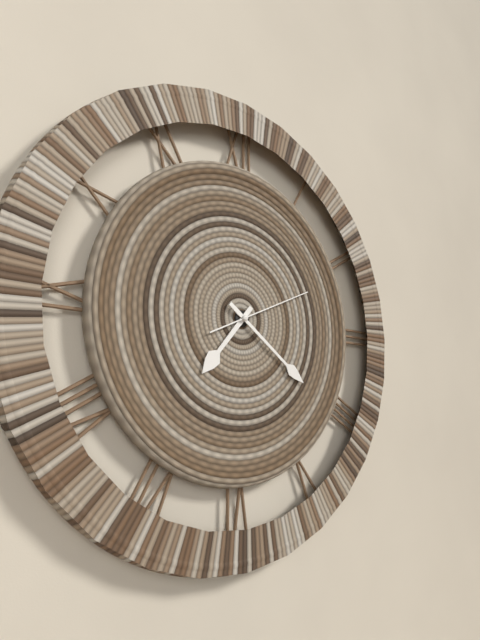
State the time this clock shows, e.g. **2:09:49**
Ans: **7:21:11**
